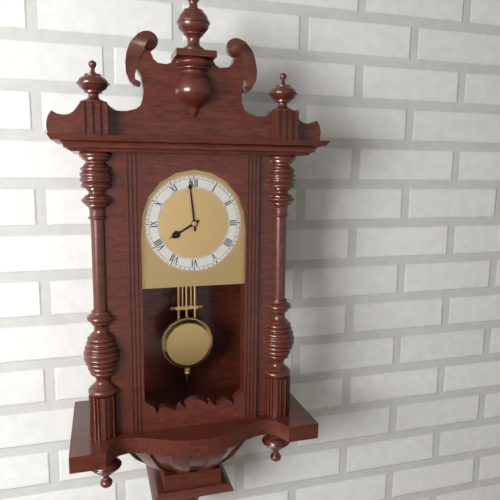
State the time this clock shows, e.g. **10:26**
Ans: **7:59**
